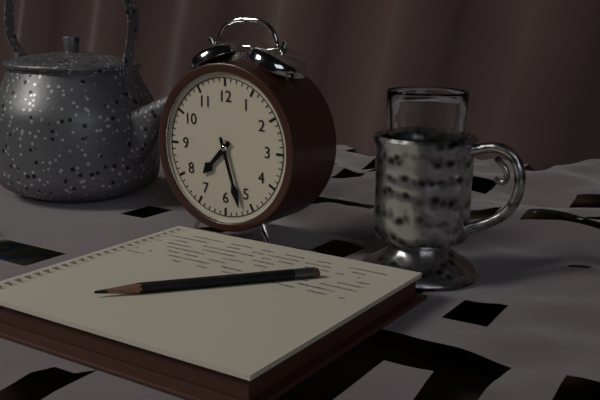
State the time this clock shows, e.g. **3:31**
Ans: **7:27**
